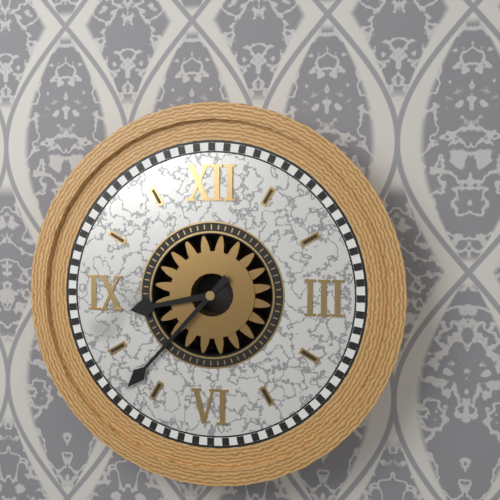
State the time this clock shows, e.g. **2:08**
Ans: **8:37**
